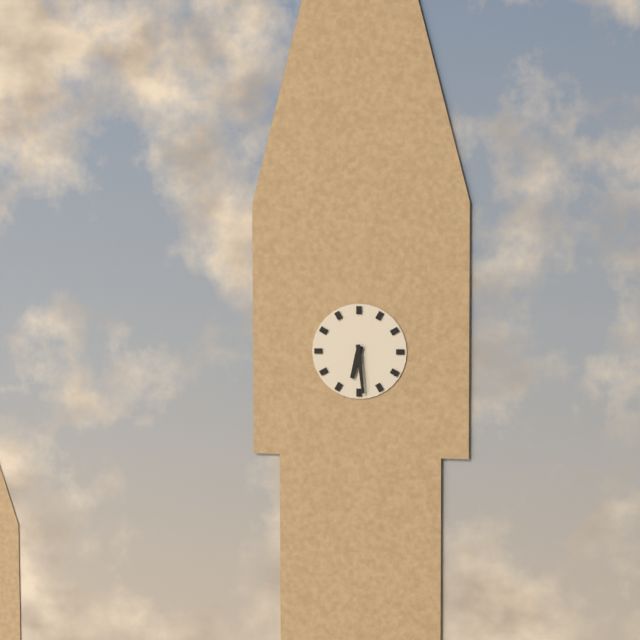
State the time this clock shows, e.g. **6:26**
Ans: **6:29**
